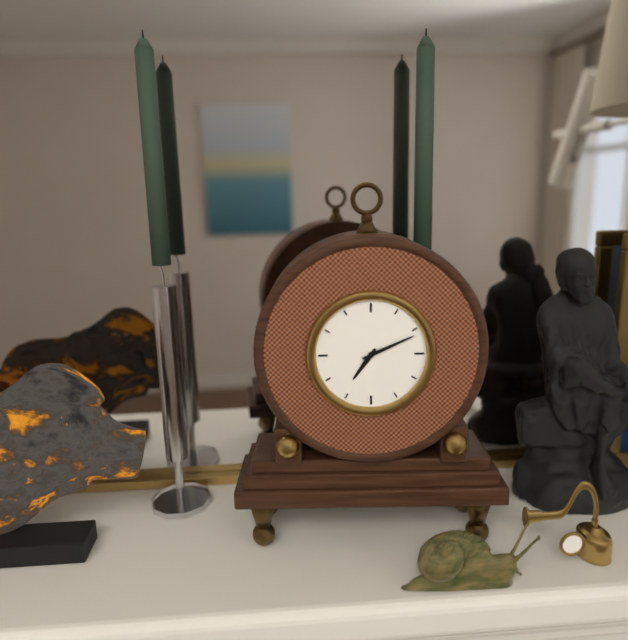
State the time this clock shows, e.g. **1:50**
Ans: **7:11**
